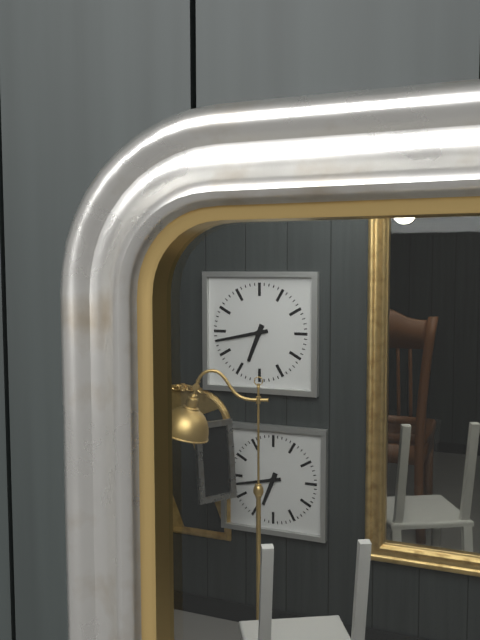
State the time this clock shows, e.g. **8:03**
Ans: **6:43**
